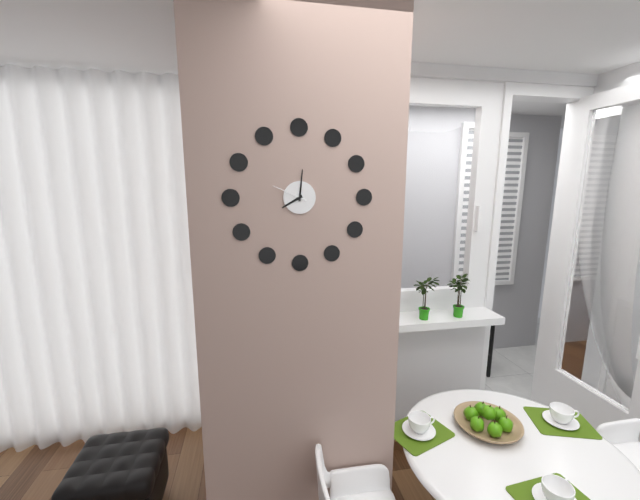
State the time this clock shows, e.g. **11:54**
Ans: **8:01**
